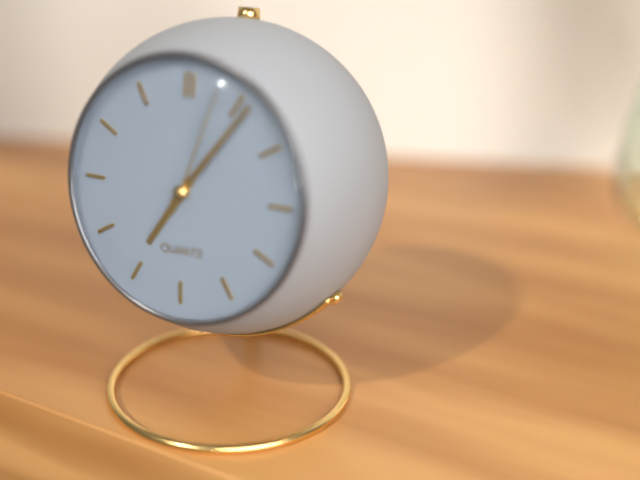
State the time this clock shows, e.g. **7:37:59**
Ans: **7:06:03**
